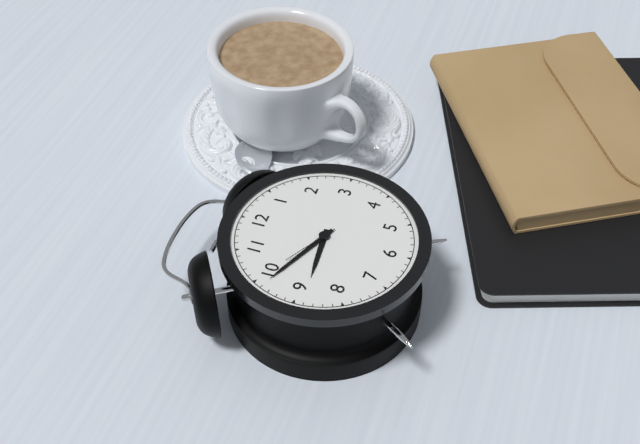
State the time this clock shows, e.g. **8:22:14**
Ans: **8:49:50**
